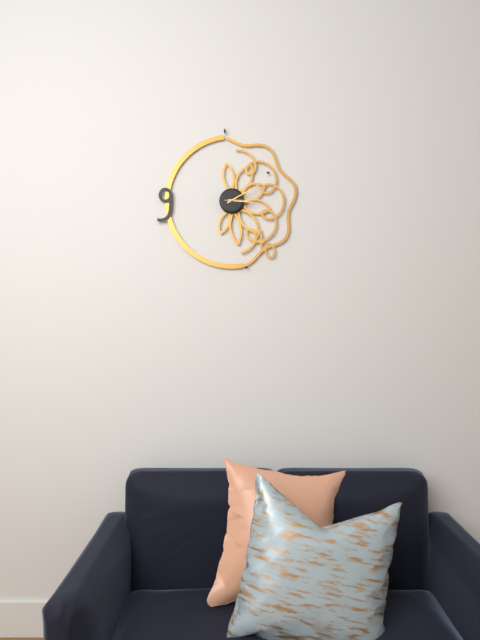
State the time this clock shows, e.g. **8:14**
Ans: **3:10**
